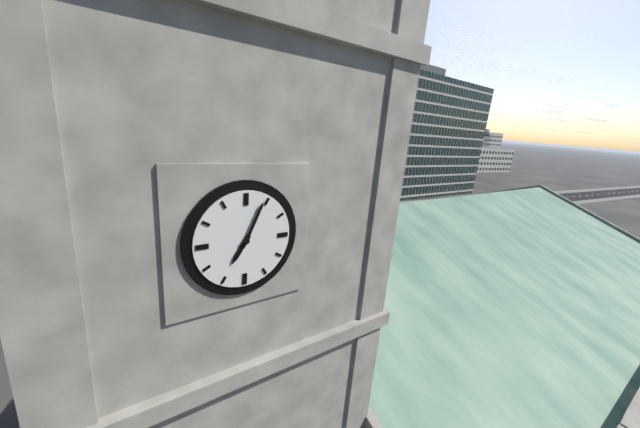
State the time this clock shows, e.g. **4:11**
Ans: **7:04**
